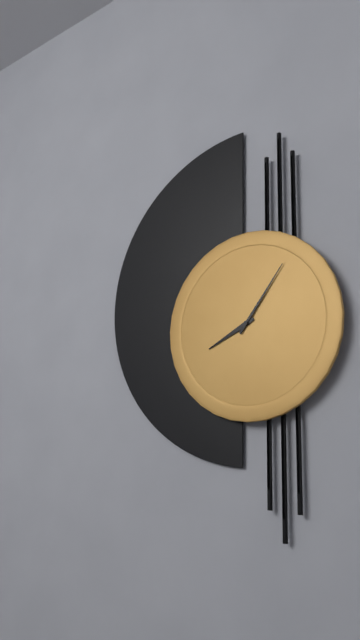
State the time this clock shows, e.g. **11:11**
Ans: **8:06**
